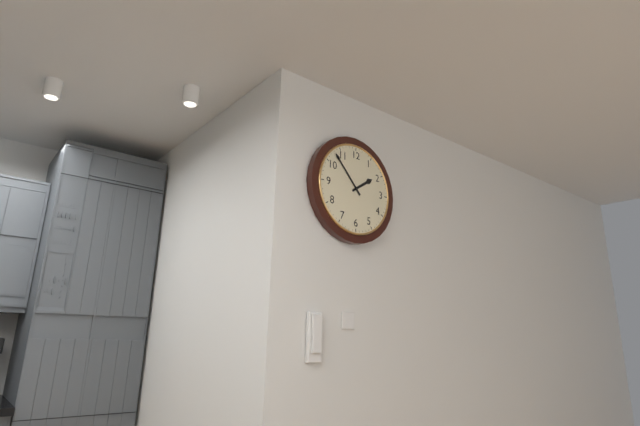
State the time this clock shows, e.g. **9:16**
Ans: **1:53**
